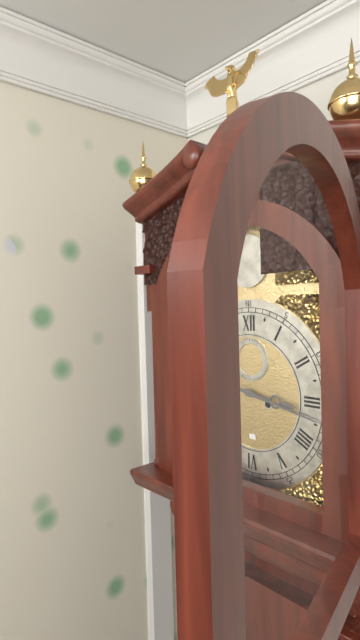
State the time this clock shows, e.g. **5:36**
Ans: **3:17**
